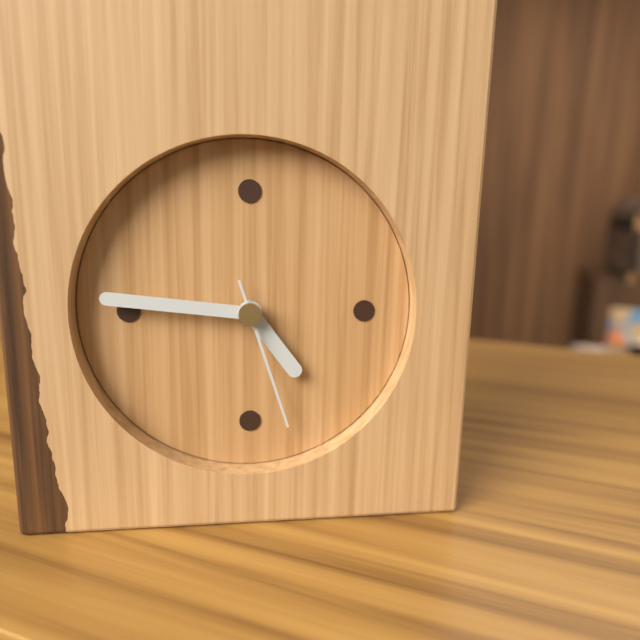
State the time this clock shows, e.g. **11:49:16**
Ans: **4:46:27**
